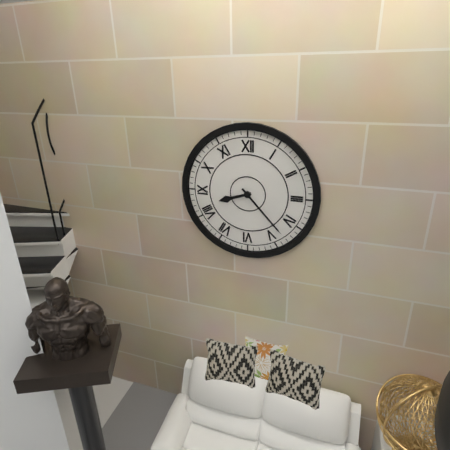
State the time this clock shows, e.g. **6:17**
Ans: **8:23**
